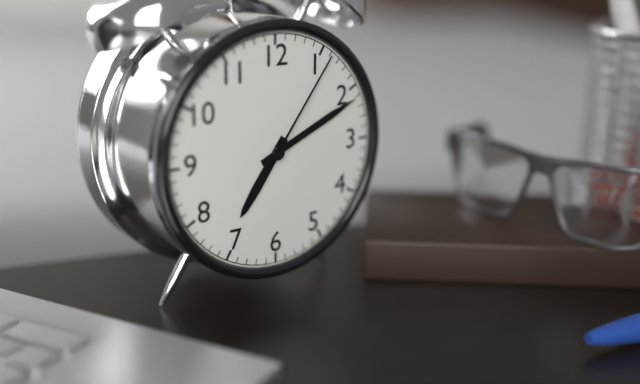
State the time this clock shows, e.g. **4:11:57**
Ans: **7:11:06**
